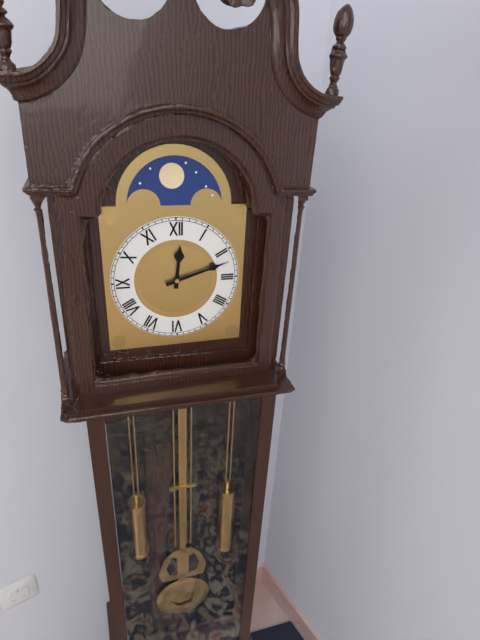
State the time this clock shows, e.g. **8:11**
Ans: **12:12**
